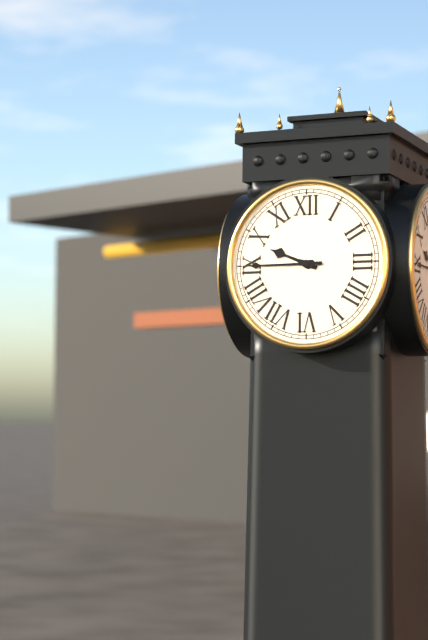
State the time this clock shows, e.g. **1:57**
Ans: **9:45**
